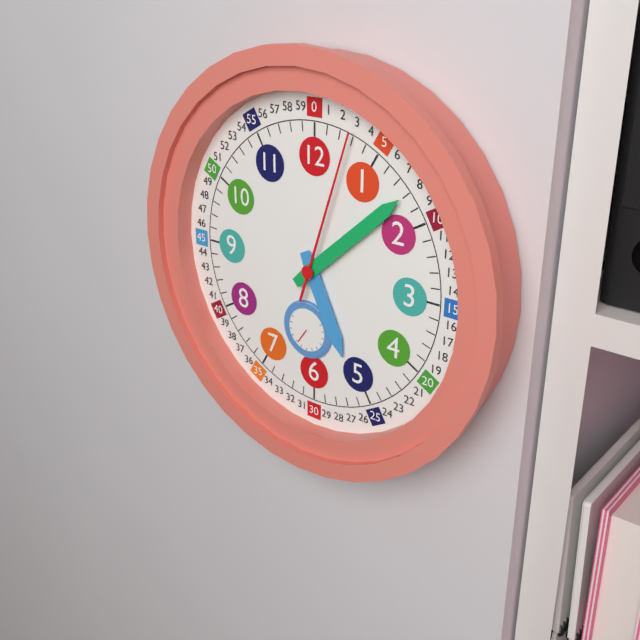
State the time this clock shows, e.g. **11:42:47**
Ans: **5:08:03**
